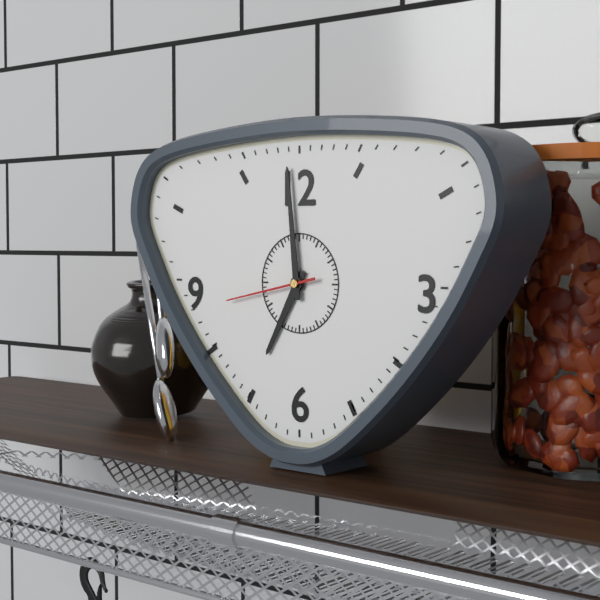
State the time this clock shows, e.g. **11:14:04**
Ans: **6:59:43**
